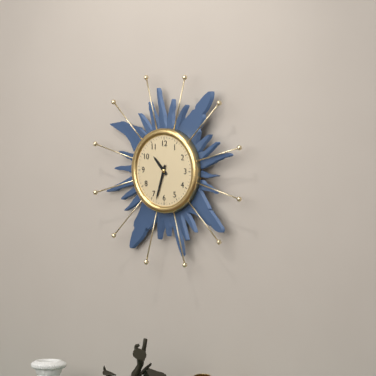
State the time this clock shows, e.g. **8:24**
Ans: **10:33**
